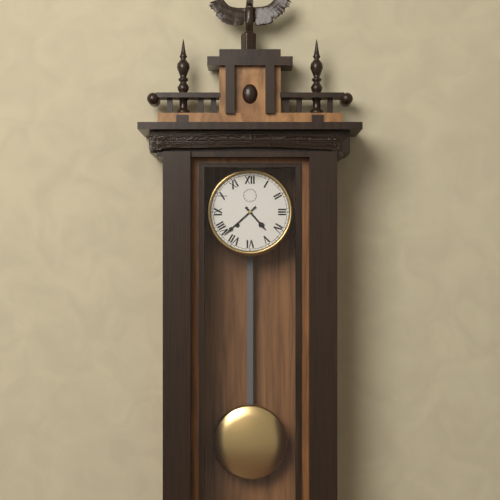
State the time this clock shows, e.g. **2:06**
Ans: **4:38**
